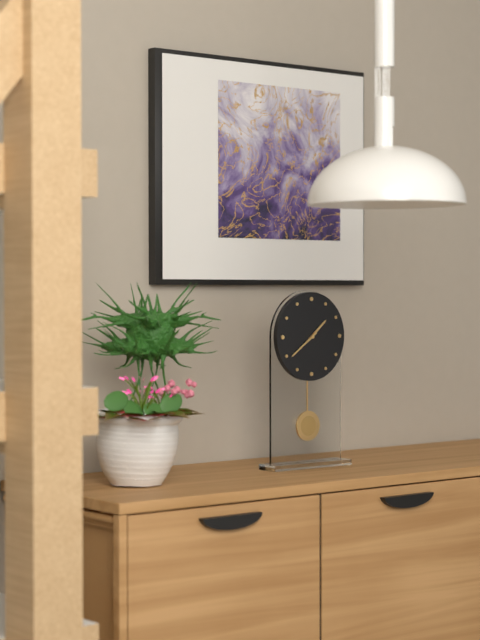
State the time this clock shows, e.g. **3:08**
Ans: **1:39**
